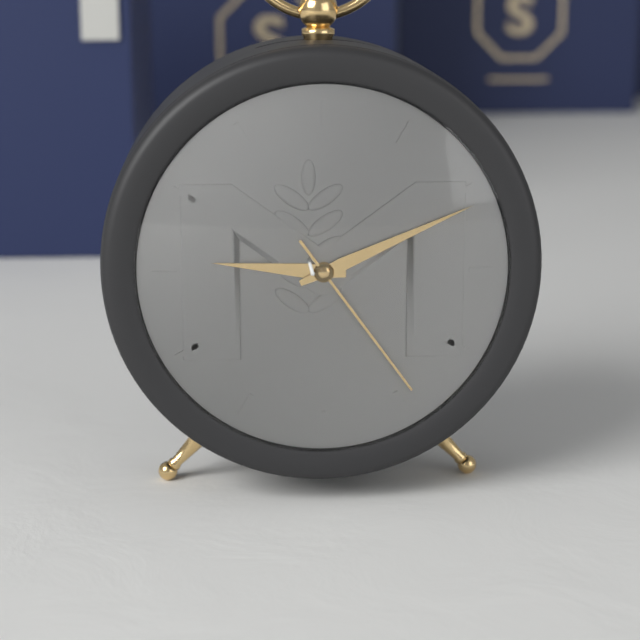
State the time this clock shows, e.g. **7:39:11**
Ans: **9:11:24**
